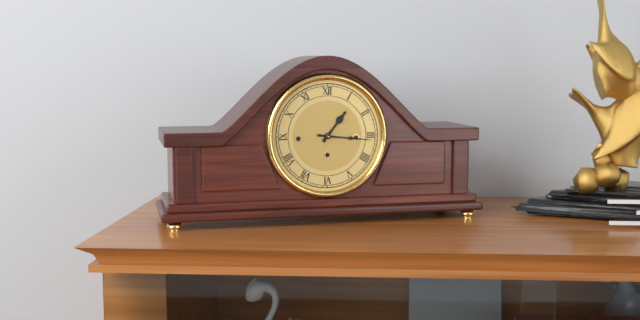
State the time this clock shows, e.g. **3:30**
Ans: **1:16**
